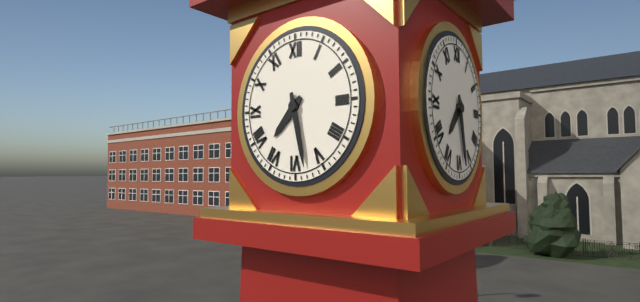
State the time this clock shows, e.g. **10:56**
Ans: **7:28**
